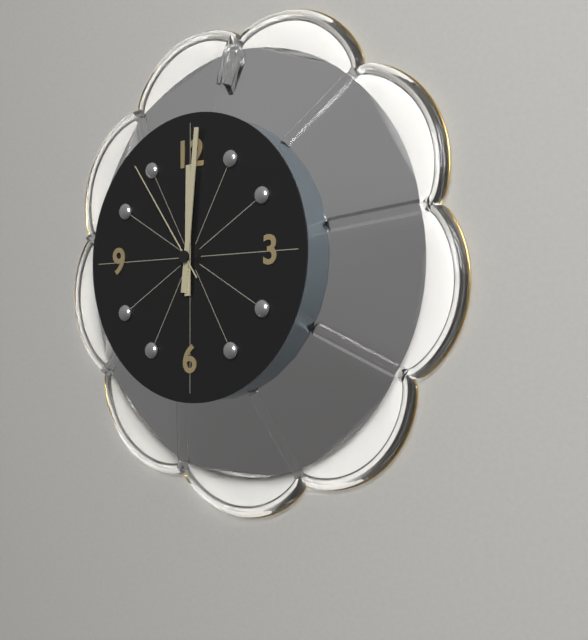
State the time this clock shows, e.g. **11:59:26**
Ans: **12:01:54**
